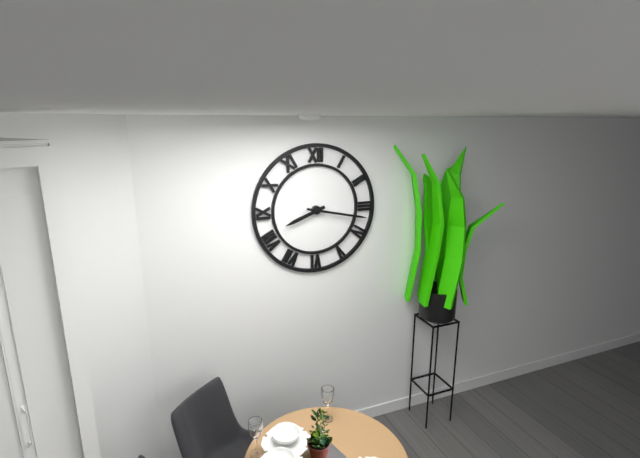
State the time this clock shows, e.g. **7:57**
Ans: **8:17**
